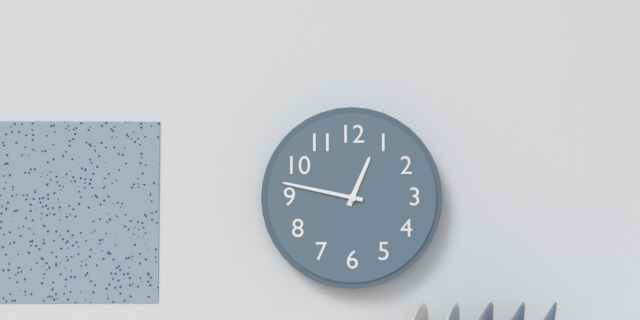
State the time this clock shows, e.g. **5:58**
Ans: **12:47**
